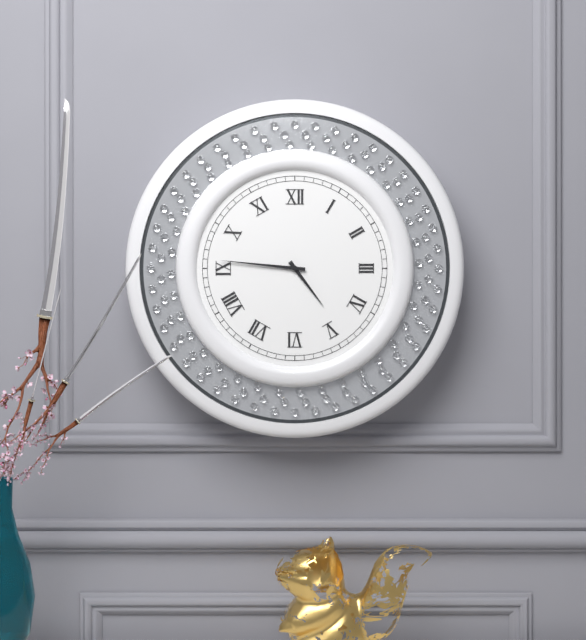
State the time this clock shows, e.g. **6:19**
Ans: **4:46**
